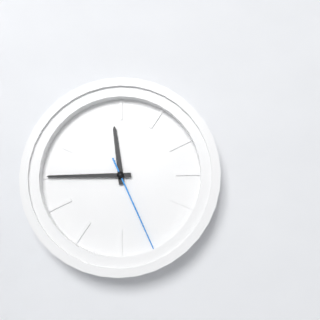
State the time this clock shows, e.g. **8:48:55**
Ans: **11:45:26**
